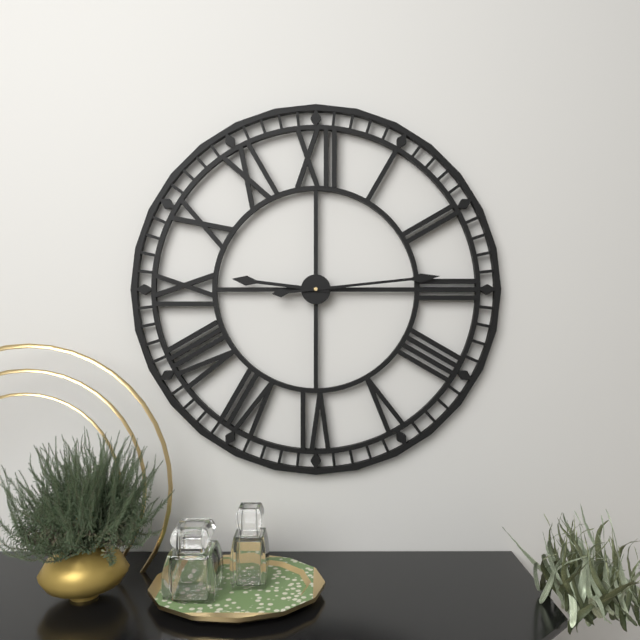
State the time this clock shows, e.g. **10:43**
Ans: **9:14**
